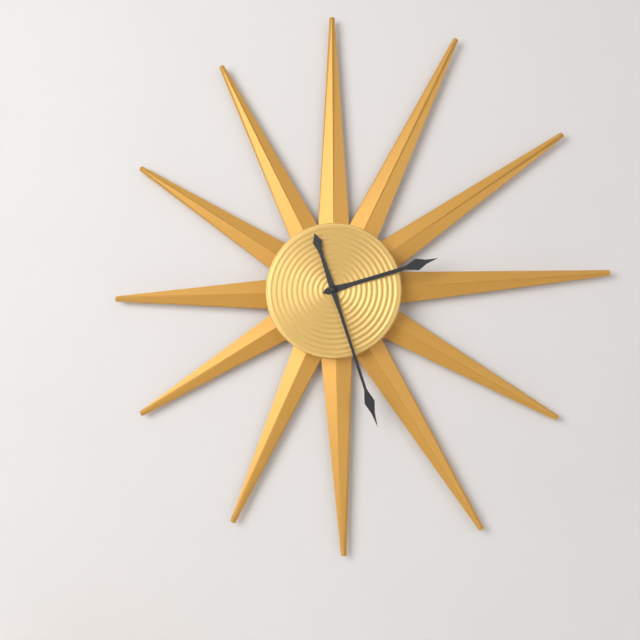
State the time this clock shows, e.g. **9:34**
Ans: **2:27**
